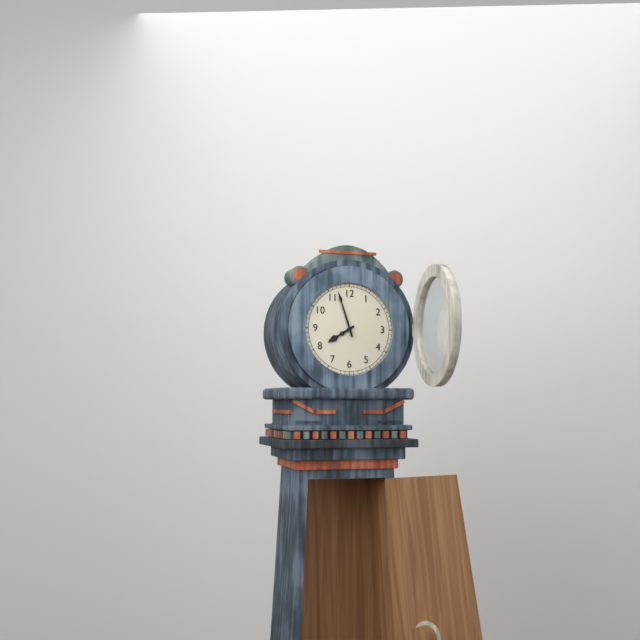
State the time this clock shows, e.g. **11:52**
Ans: **7:57**
